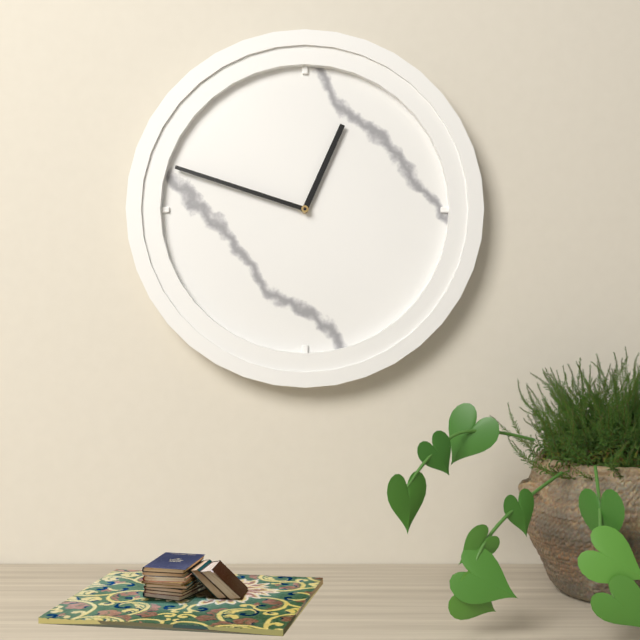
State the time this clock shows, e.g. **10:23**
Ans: **12:48**
